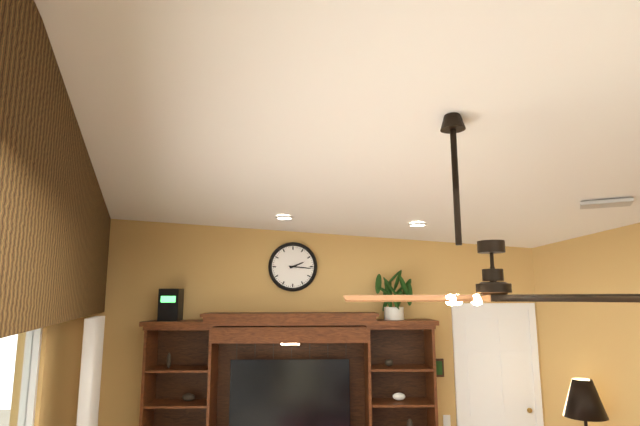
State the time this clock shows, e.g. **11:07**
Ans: **2:16**
